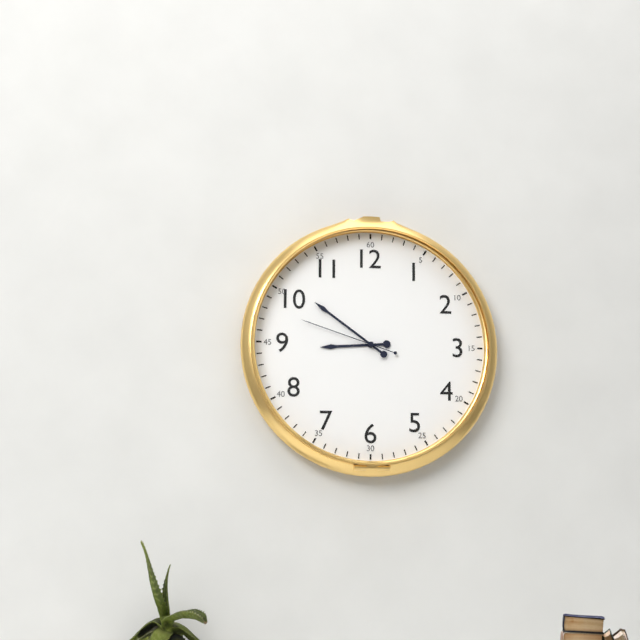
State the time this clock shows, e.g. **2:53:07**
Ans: **8:51:48**
